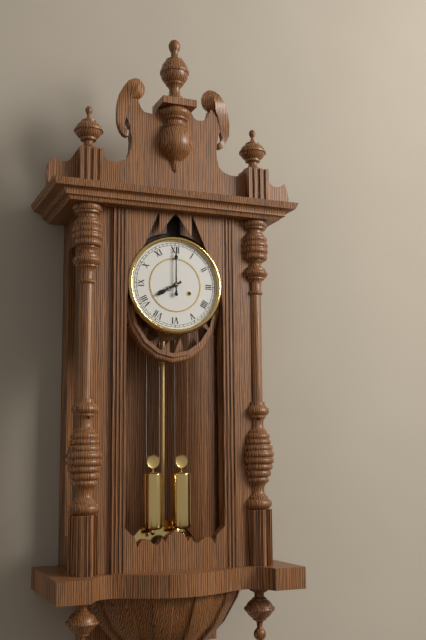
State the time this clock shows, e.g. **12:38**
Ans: **8:00**
